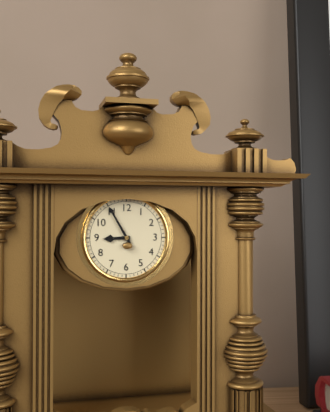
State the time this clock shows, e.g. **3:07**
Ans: **8:55**
